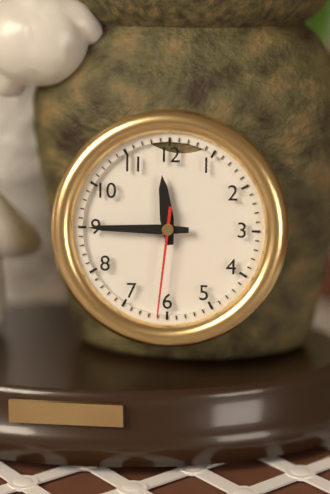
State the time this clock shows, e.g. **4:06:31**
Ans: **11:45:31**
